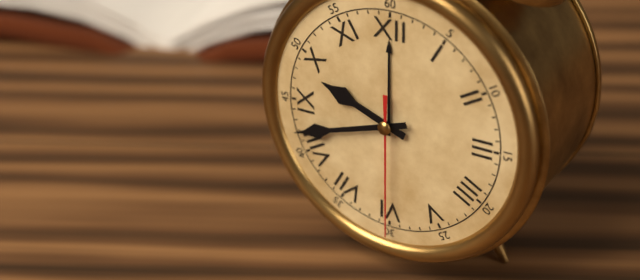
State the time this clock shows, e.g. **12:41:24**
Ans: **9:42:30**
